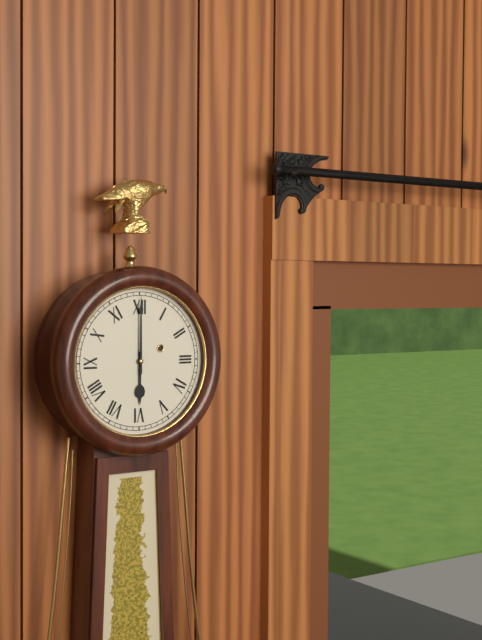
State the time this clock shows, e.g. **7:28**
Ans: **6:00**
